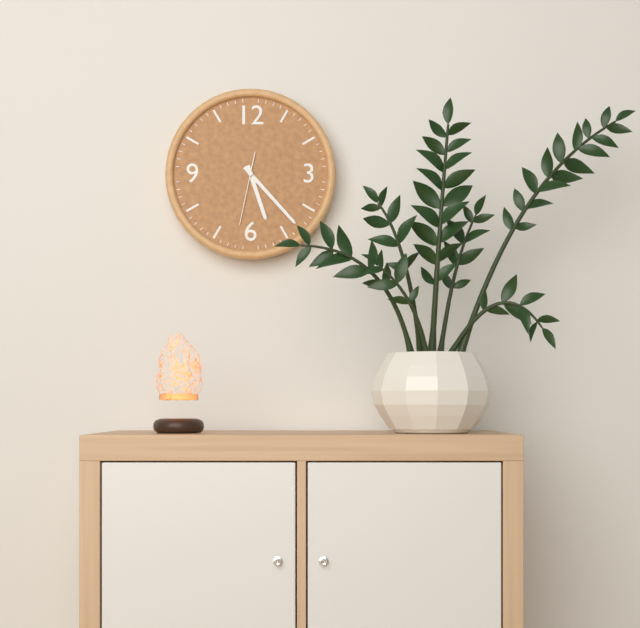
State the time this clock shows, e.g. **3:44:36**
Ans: **5:23:32**
